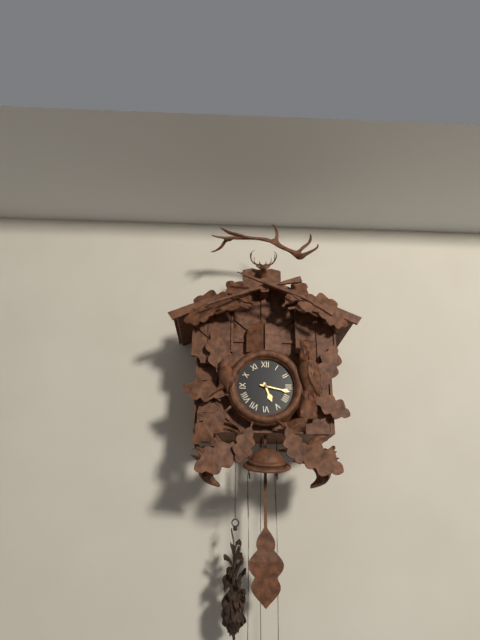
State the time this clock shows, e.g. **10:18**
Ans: **5:17**
